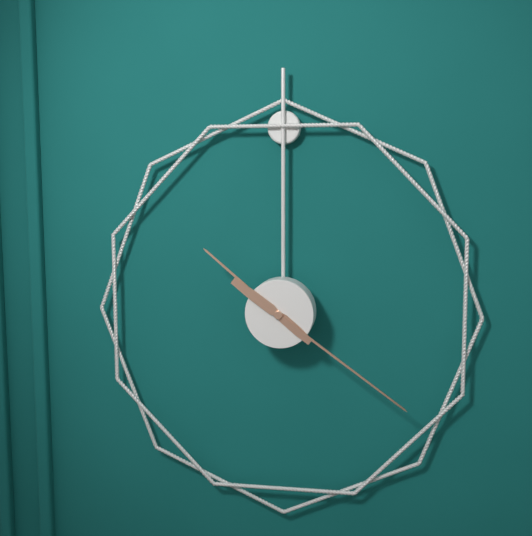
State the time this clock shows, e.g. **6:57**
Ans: **10:21**
